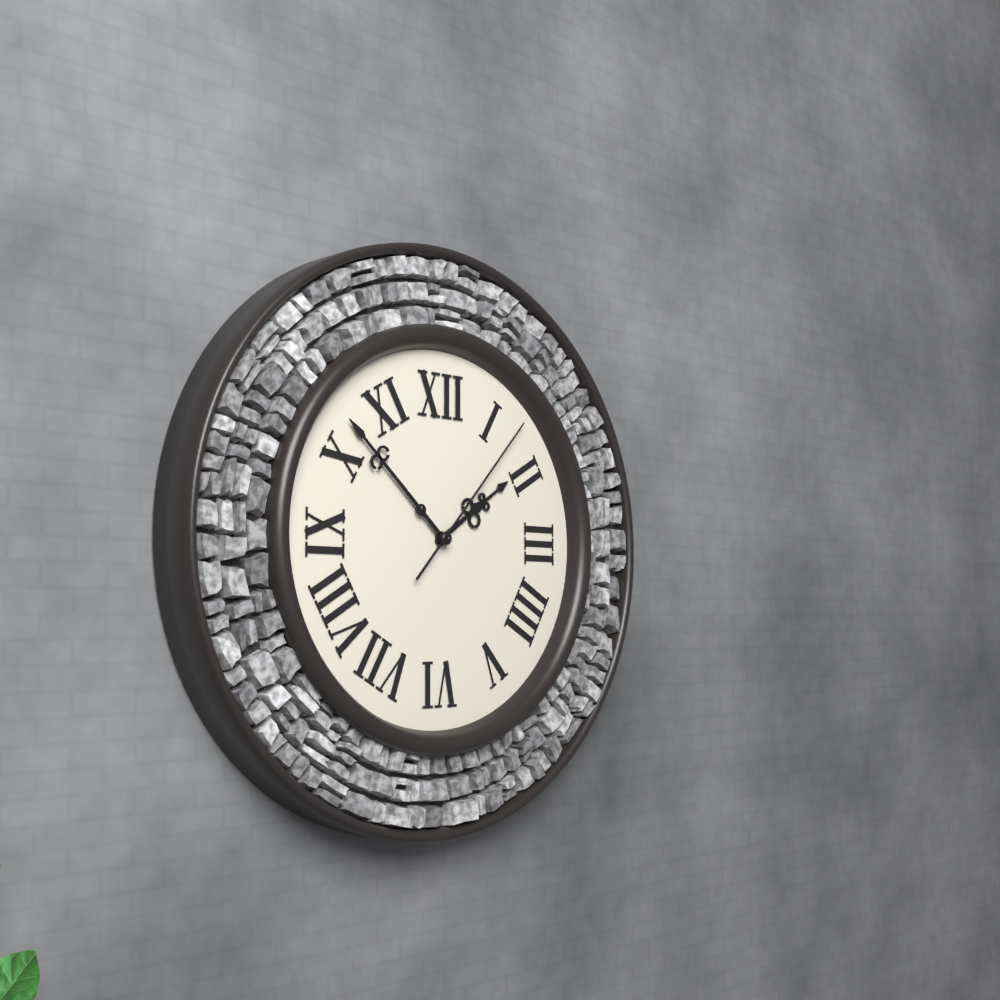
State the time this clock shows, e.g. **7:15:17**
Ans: **1:52:07**
